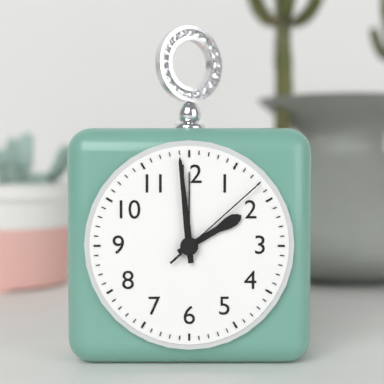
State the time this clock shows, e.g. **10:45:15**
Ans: **1:59:08**
